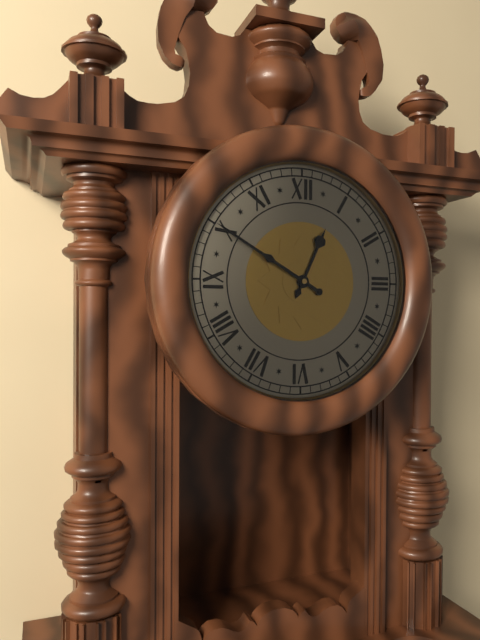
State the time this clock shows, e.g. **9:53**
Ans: **12:50**
